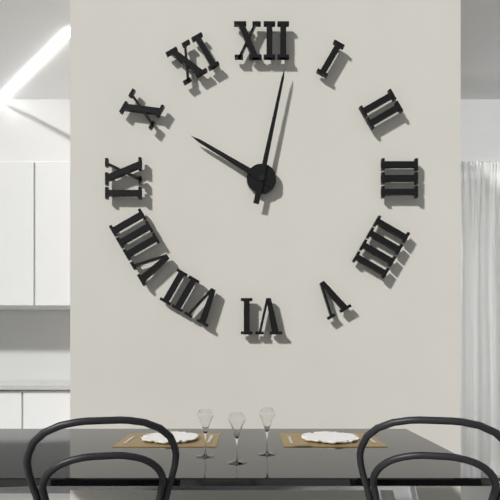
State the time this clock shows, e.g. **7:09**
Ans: **10:02**
